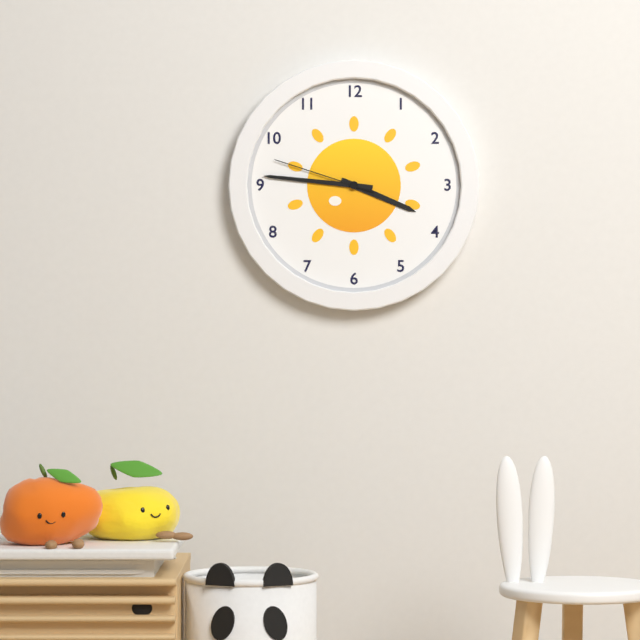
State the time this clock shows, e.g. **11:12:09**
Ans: **3:46:48**
